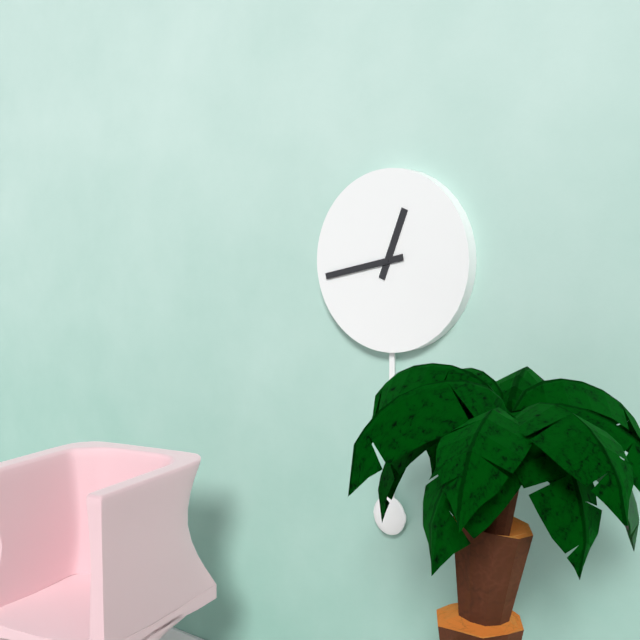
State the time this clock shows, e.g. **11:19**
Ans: **12:43**
